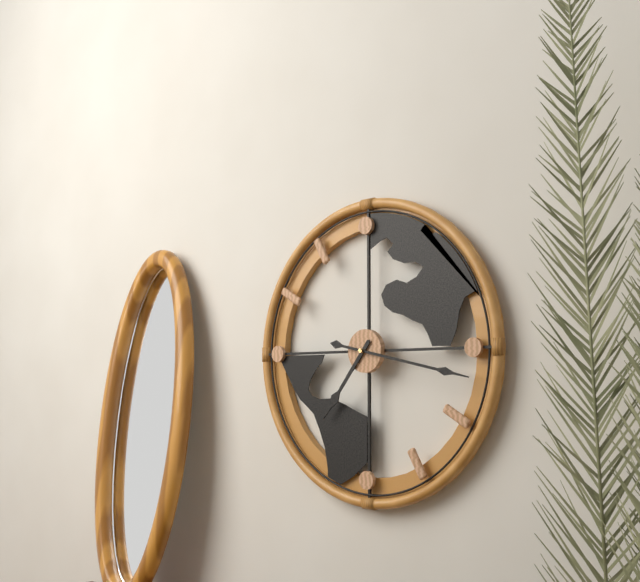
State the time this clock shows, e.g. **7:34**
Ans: **7:17**
